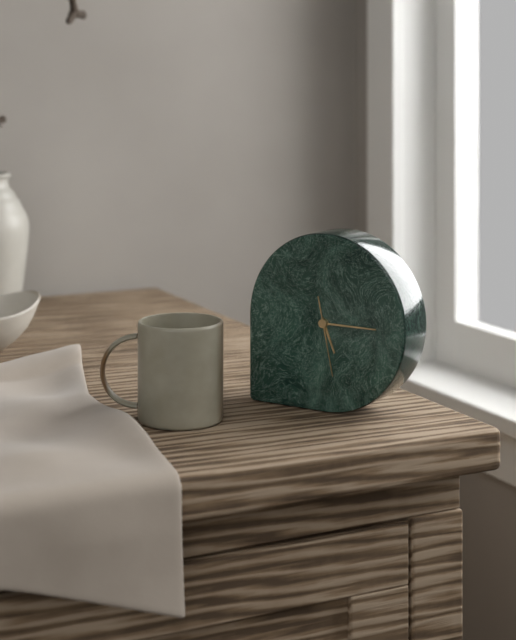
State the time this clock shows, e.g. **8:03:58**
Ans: **5:15:28**
